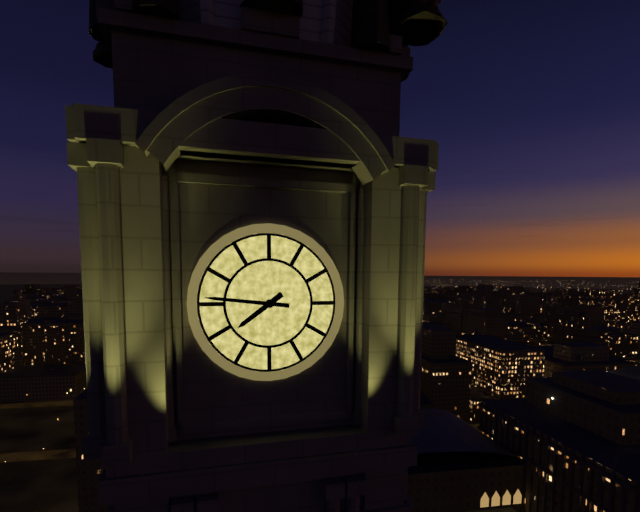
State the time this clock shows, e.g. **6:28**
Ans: **7:46**
